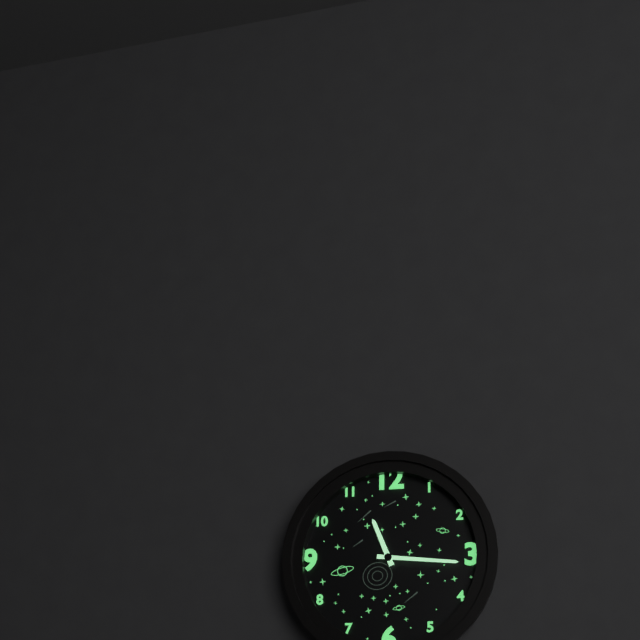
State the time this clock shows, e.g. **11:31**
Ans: **11:16**
